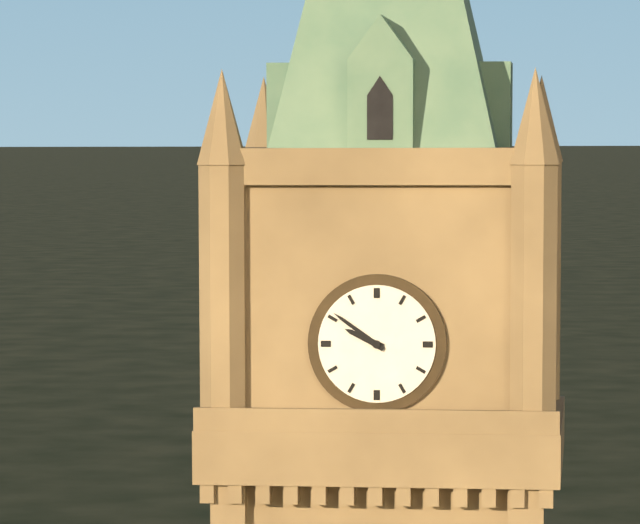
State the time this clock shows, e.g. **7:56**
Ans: **9:51**
